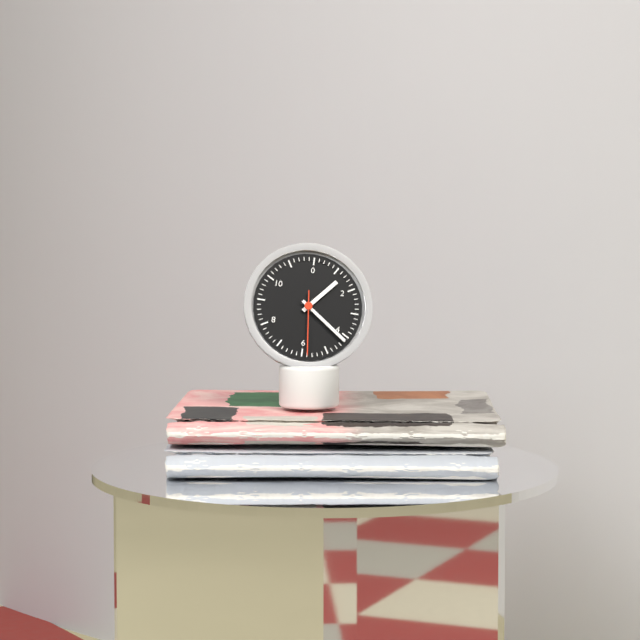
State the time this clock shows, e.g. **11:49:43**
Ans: **1:21:29**
